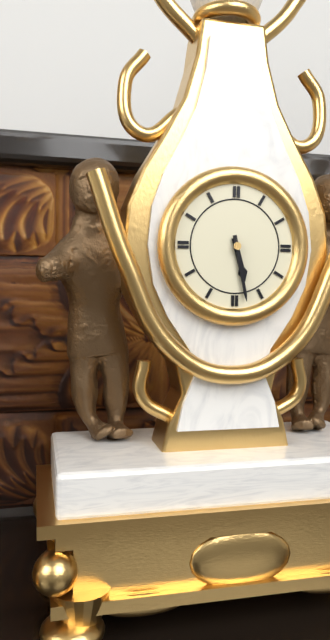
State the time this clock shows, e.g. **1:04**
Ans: **5:28**
